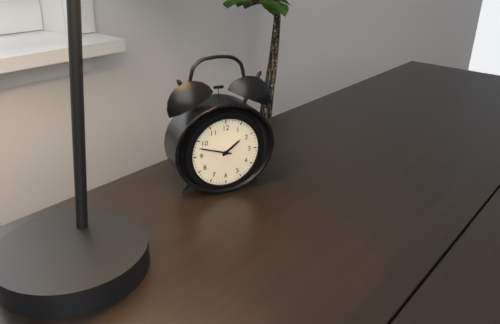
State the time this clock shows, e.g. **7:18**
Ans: **1:48**
